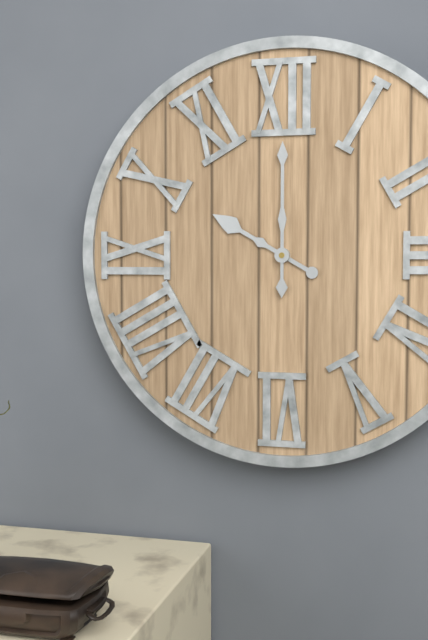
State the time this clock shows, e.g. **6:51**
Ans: **10:00**
